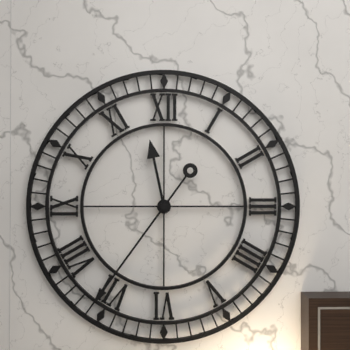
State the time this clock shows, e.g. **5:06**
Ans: **11:36**
